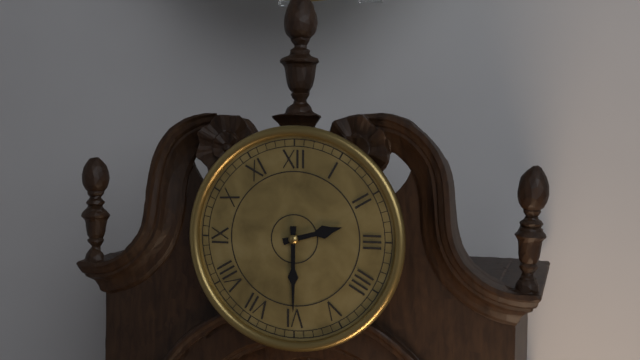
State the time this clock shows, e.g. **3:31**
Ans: **2:30**
